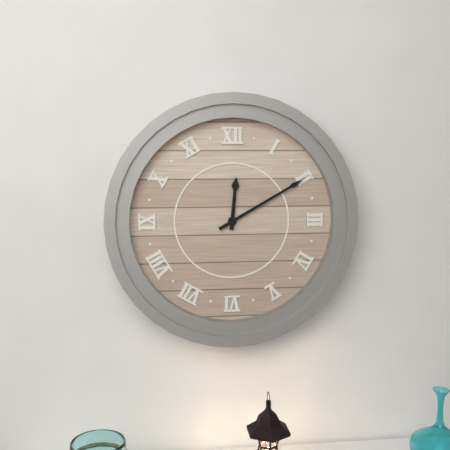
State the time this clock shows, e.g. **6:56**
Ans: **12:10**
